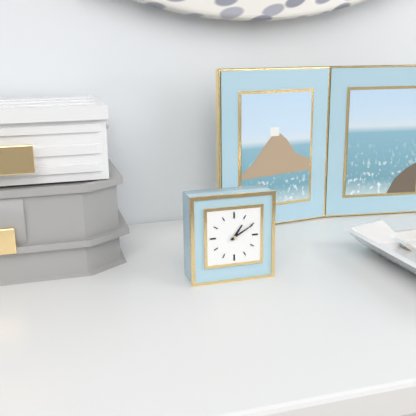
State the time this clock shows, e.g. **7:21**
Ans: **1:10**
